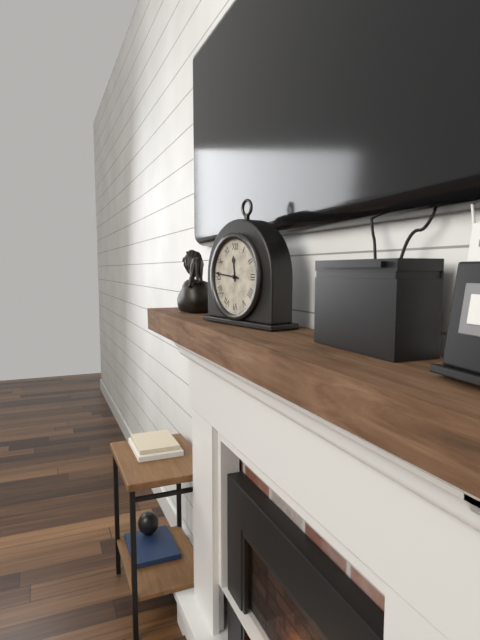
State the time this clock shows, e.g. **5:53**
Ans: **11:46**
